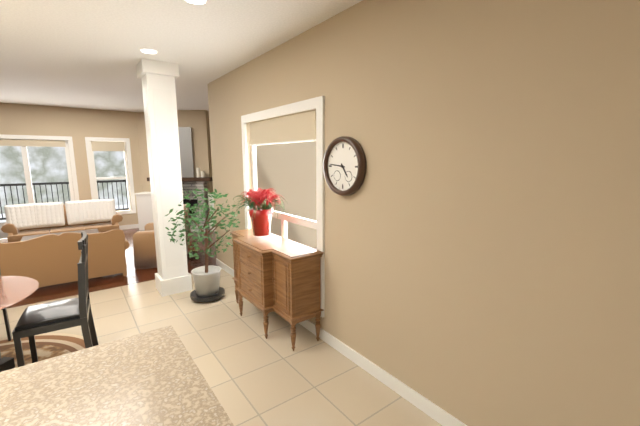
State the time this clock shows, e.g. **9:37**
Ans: **4:46**
